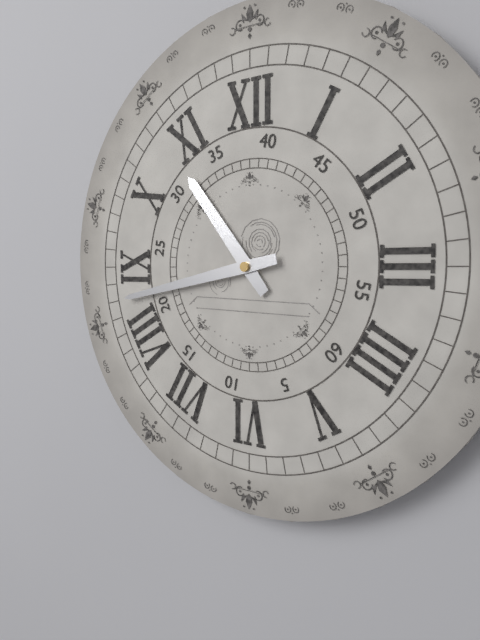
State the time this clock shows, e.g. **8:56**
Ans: **10:43**
